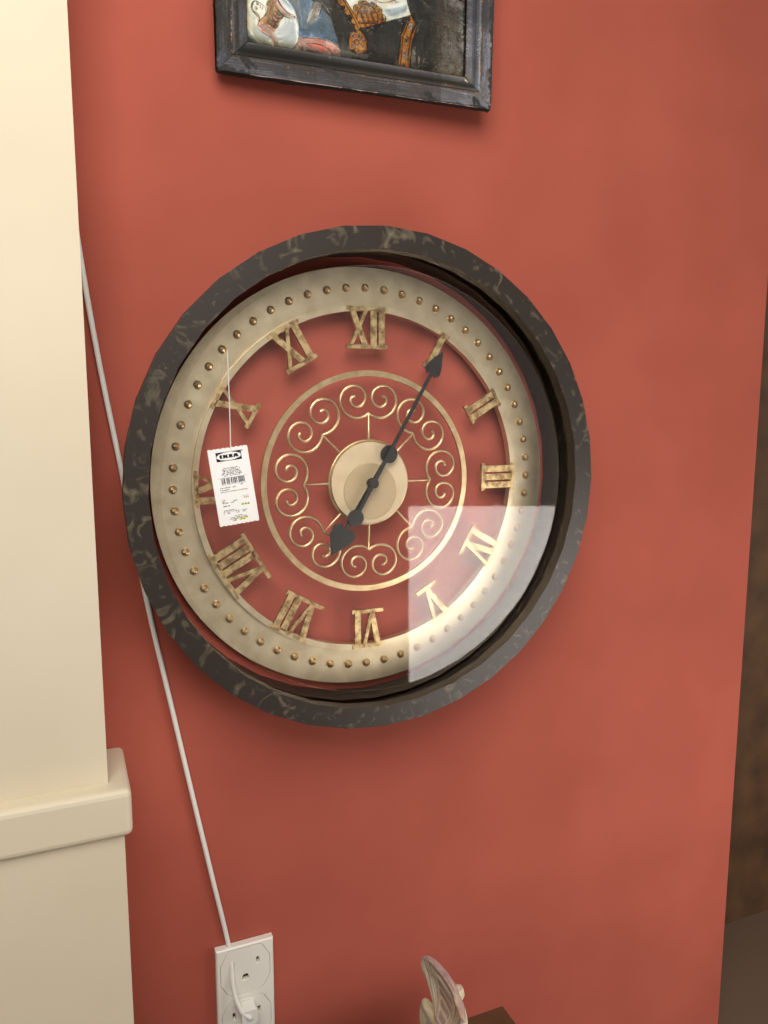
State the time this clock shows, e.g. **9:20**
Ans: **7:05**
